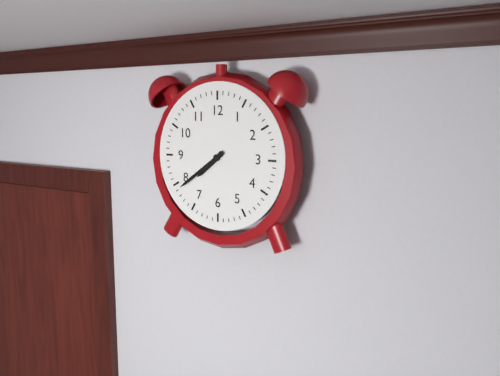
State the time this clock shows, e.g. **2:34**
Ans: **7:39**
